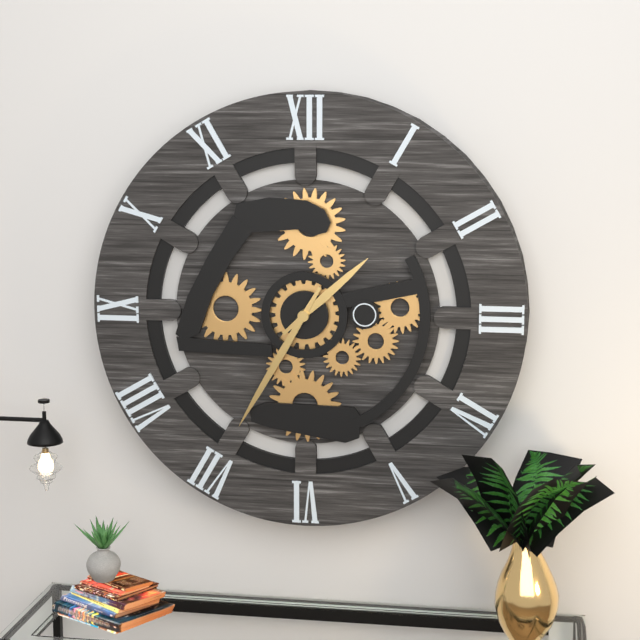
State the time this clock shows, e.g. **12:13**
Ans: **1:35**
